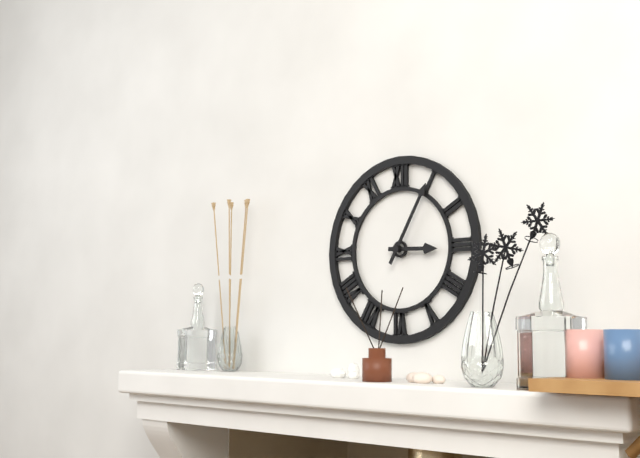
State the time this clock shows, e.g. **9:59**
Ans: **3:05**
